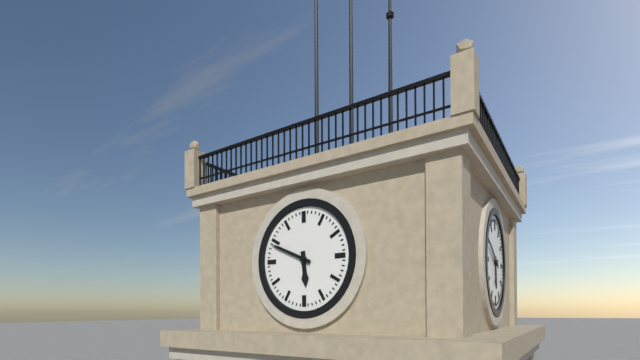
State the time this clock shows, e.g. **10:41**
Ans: **5:49**
